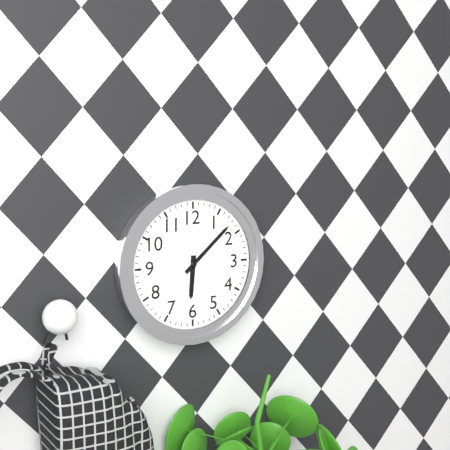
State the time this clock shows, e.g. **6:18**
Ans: **6:08**
